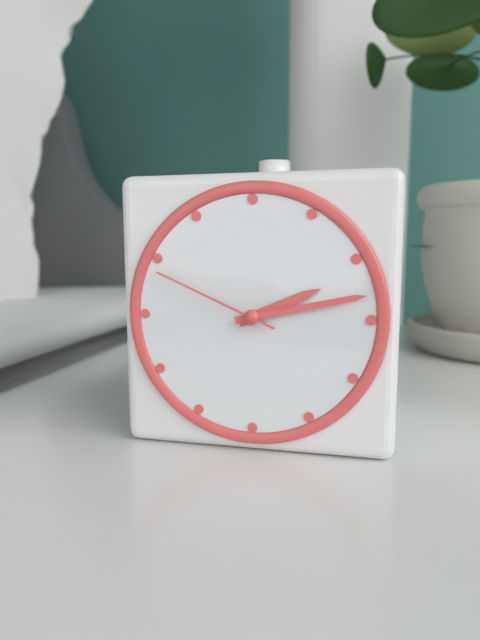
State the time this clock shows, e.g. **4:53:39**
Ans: **2:13:49**
